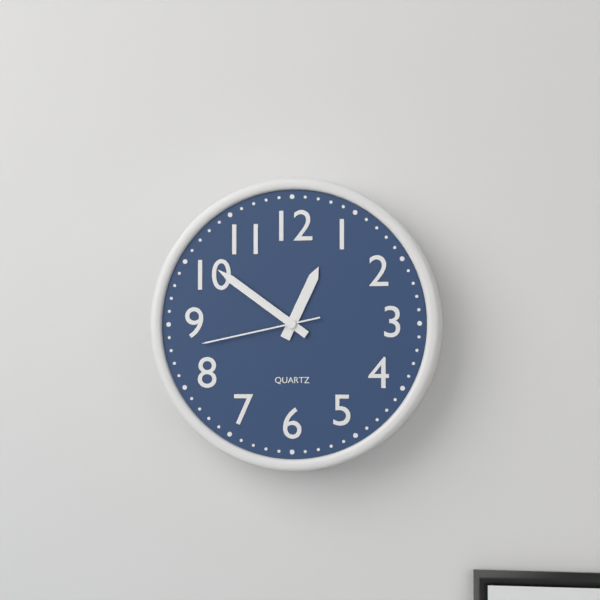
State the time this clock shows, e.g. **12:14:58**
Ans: **12:51:43**
